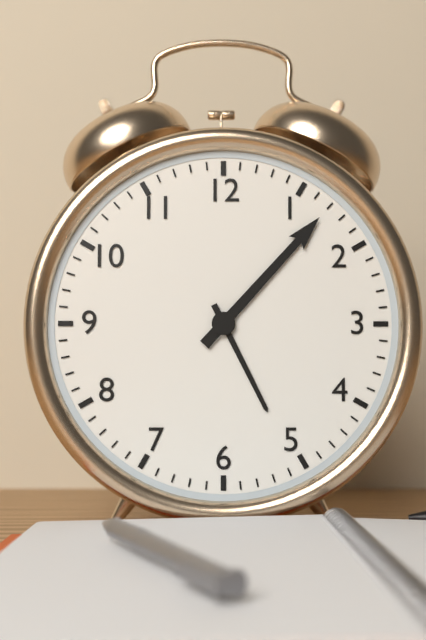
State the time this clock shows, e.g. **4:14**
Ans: **5:07**
